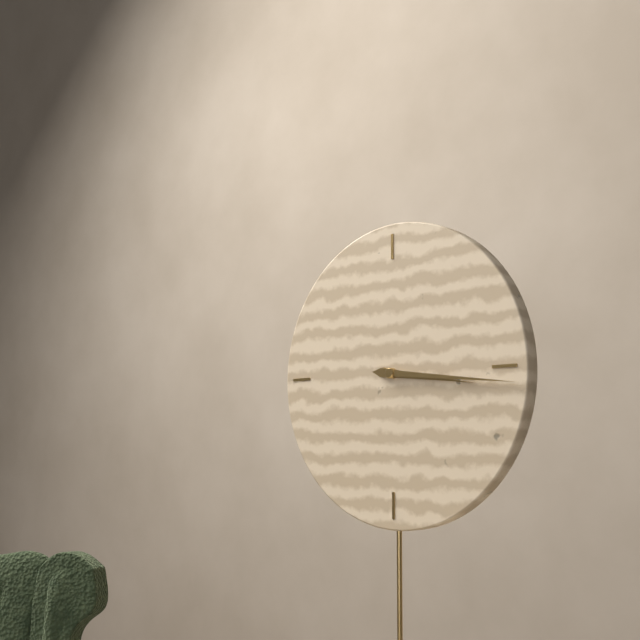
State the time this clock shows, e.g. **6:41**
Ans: **3:16**
